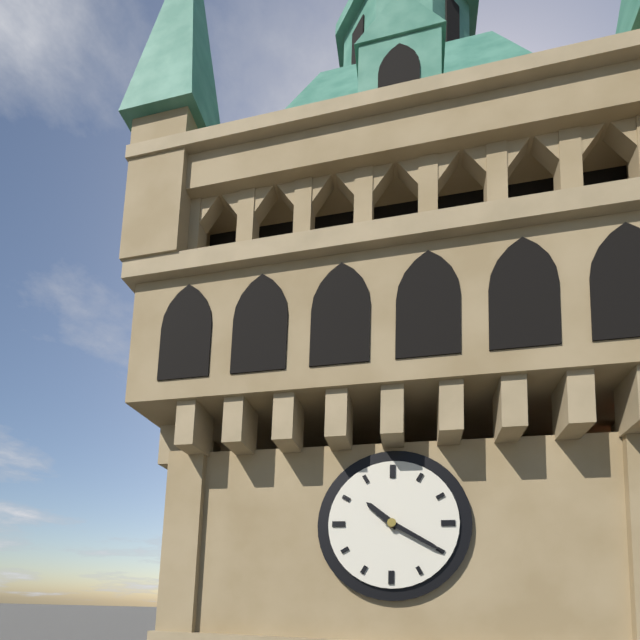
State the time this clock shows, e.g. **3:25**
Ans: **10:20**
